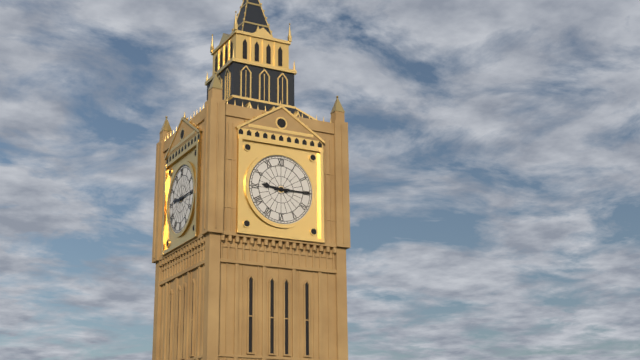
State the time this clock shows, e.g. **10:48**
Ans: **9:15**
